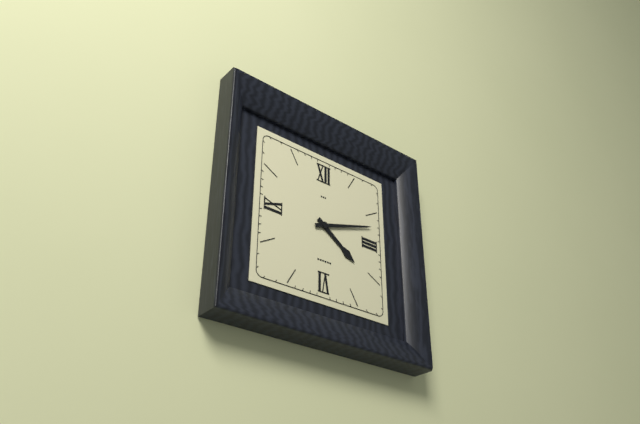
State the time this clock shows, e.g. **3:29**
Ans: **4:12**
